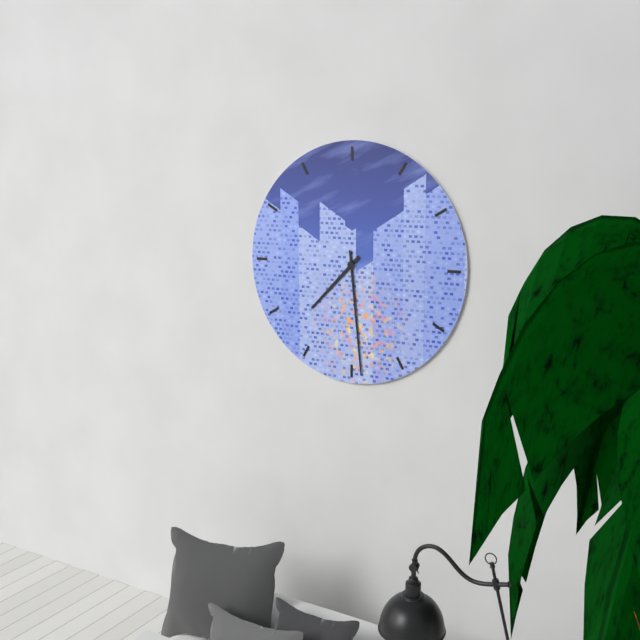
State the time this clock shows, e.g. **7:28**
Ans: **7:29**
